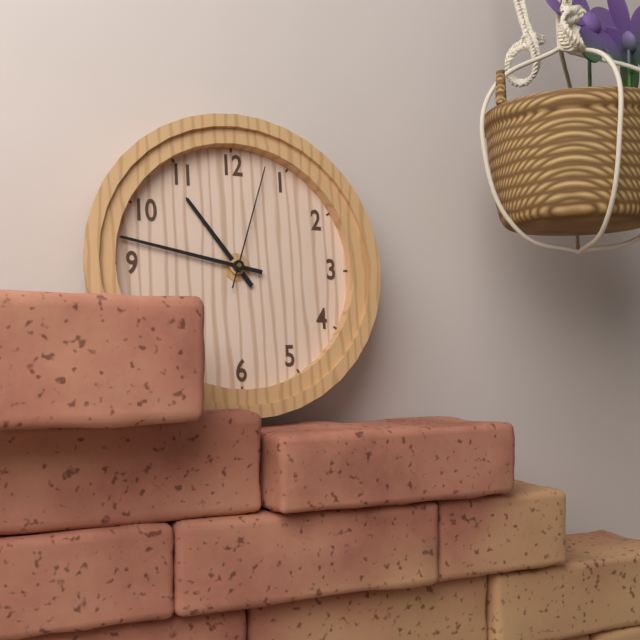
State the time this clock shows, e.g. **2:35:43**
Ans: **10:47:03**
